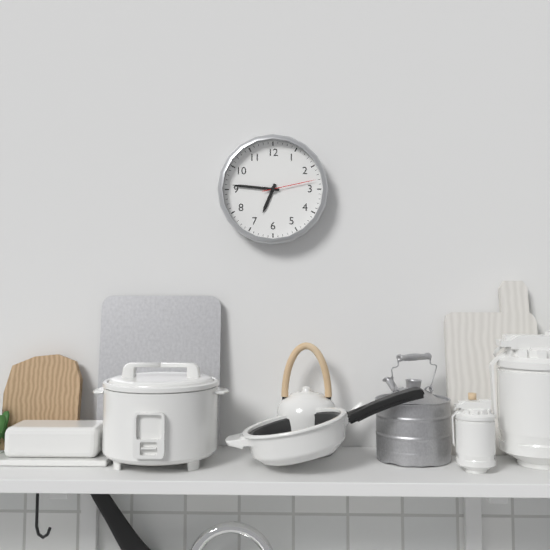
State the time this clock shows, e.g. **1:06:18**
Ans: **6:46:13**
